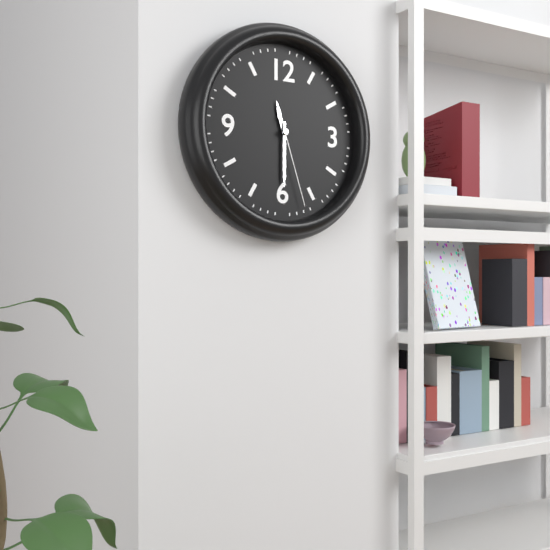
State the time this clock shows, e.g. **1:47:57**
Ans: **11:30:27**
